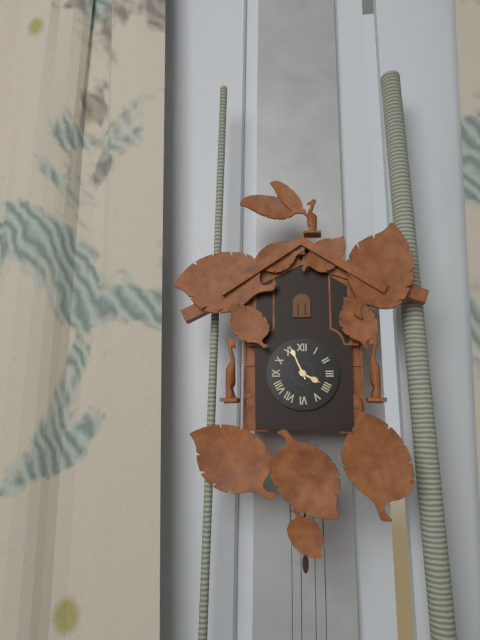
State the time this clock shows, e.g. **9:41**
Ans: **3:56**
